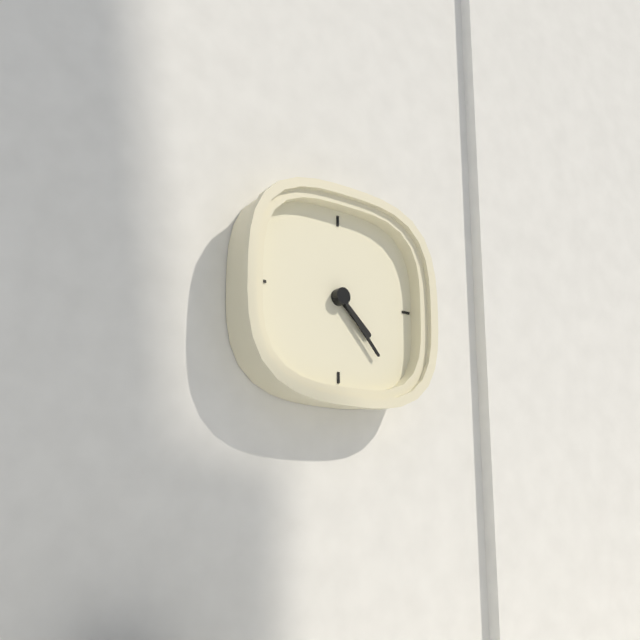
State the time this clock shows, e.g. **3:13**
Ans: **4:23**
